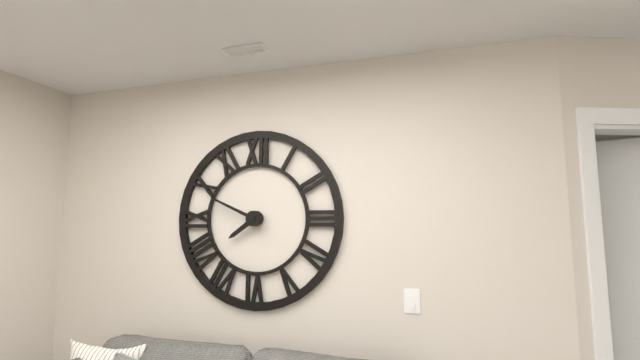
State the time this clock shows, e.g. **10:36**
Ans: **7:49**
